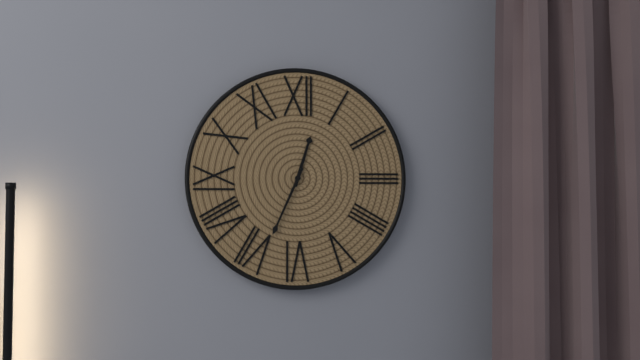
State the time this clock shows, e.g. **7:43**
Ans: **12:34**
